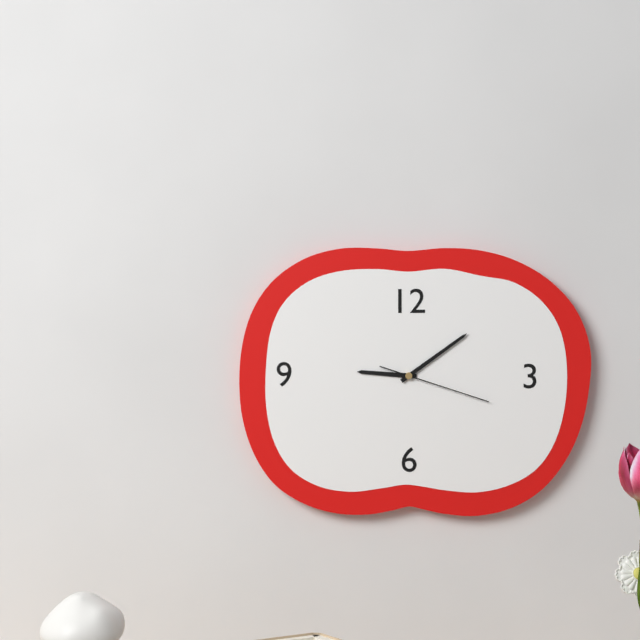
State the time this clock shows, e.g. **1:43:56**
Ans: **9:09:18**
